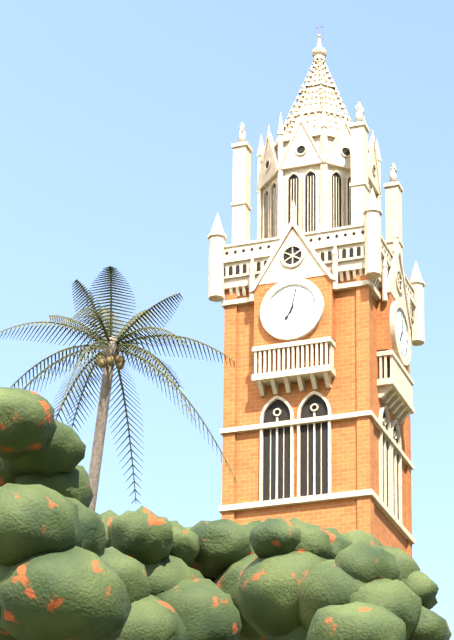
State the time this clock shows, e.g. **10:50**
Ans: **7:02**
